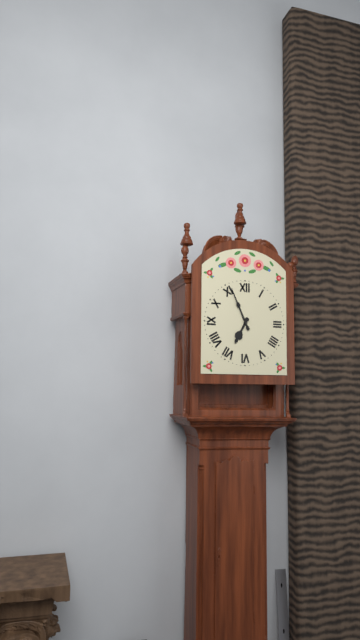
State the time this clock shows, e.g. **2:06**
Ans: **6:56**
